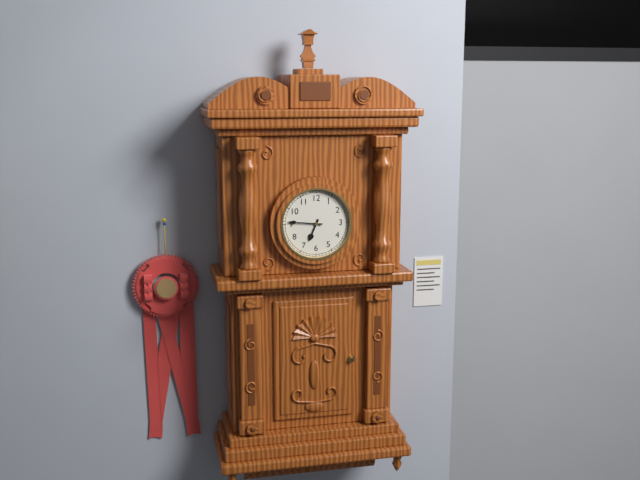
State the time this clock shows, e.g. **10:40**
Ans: **6:46**
